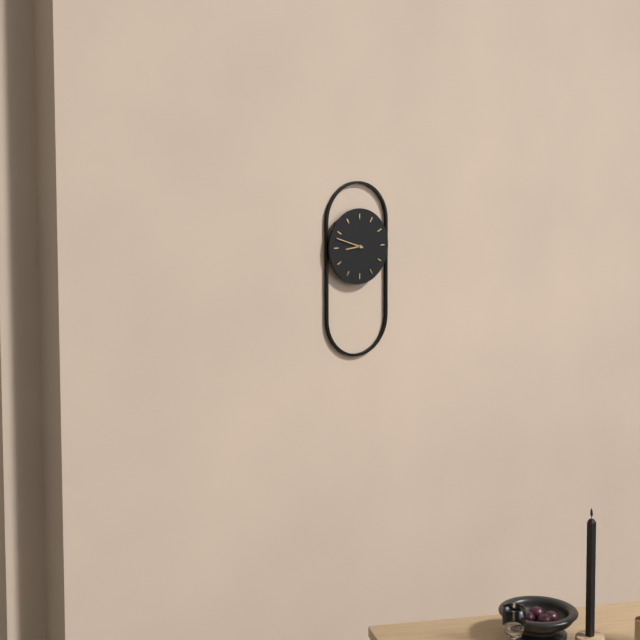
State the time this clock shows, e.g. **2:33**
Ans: **8:48**
